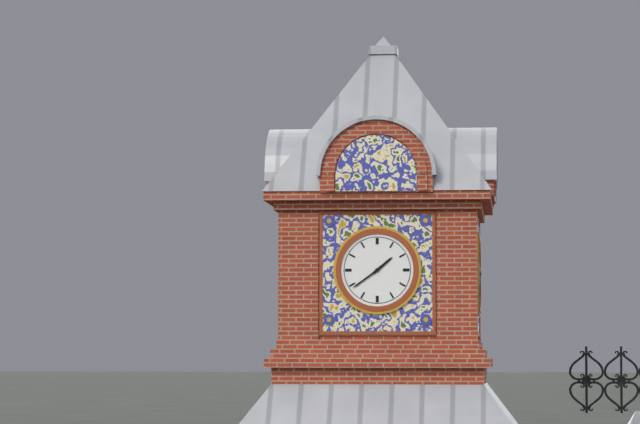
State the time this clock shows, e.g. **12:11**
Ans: **1:39**
